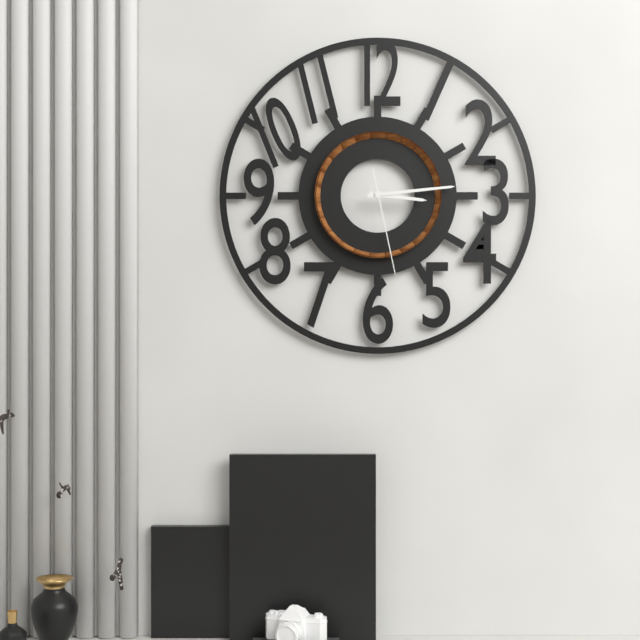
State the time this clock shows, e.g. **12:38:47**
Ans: **3:14:28**
